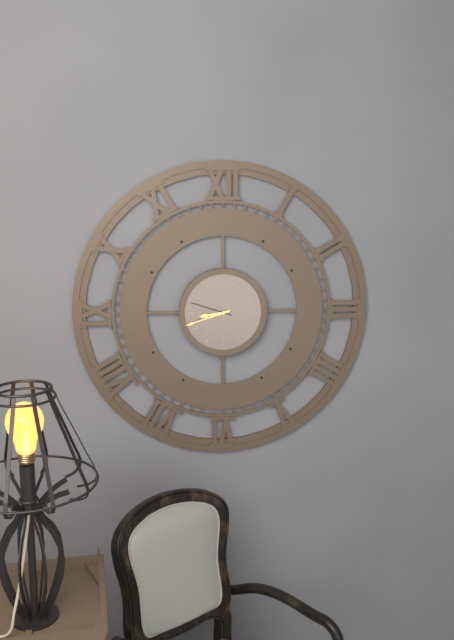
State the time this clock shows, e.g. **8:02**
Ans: **8:42**
